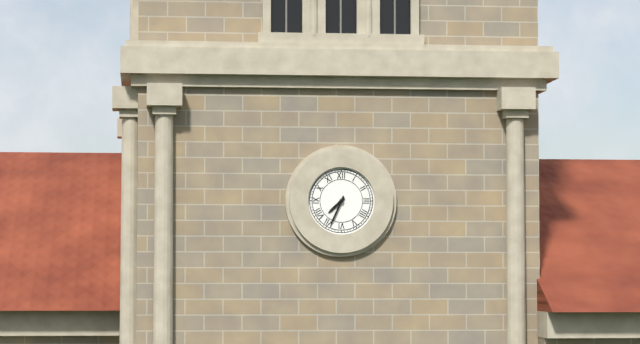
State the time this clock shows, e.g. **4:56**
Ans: **7:34**
